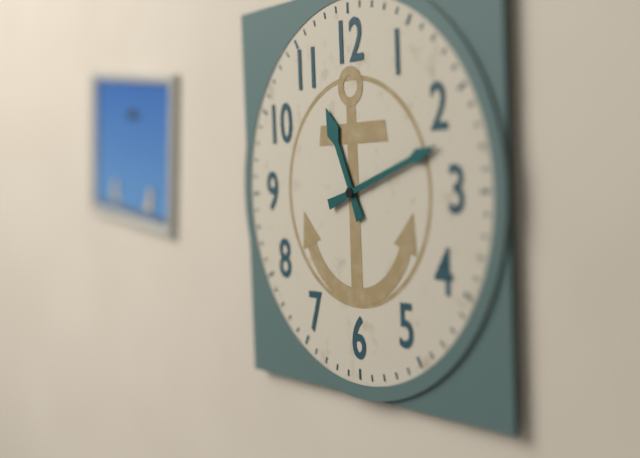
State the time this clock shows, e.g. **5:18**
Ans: **11:12**
